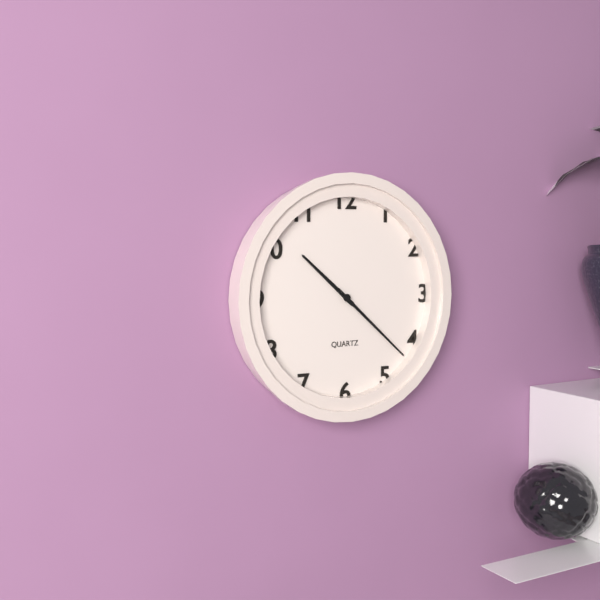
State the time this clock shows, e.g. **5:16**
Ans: **10:22**
